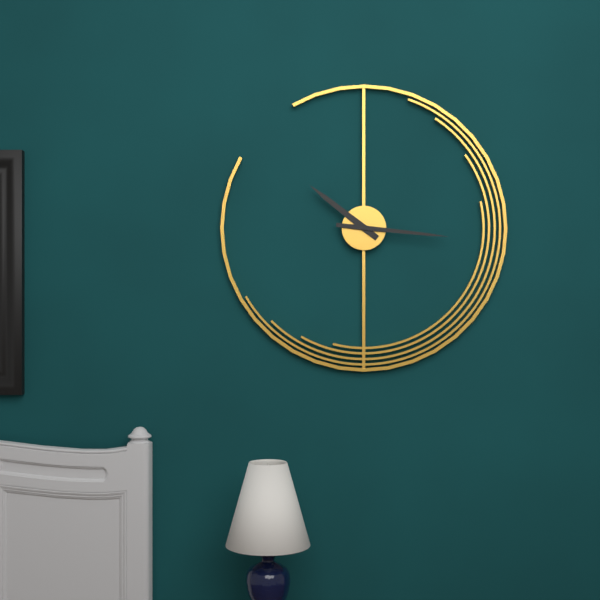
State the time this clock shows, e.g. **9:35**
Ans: **10:16**
